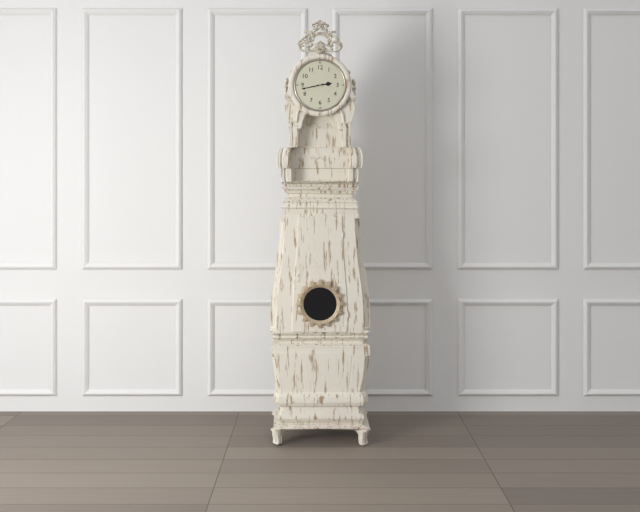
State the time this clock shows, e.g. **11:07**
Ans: **2:43**
